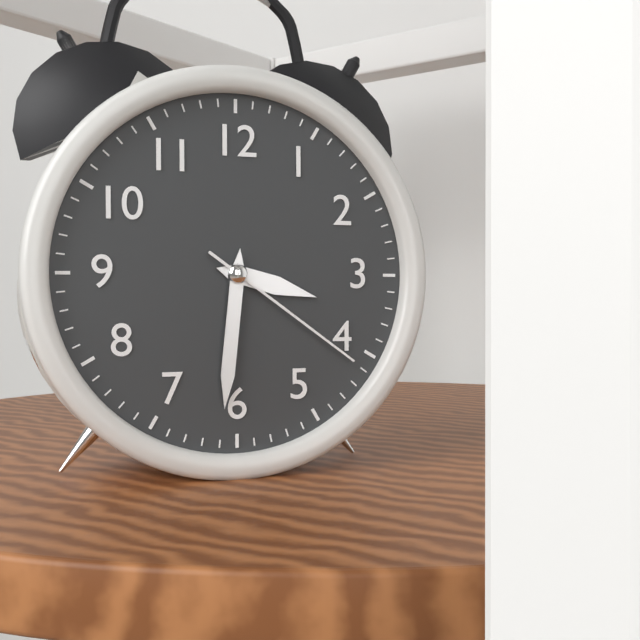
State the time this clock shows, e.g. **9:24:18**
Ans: **3:31:21**
